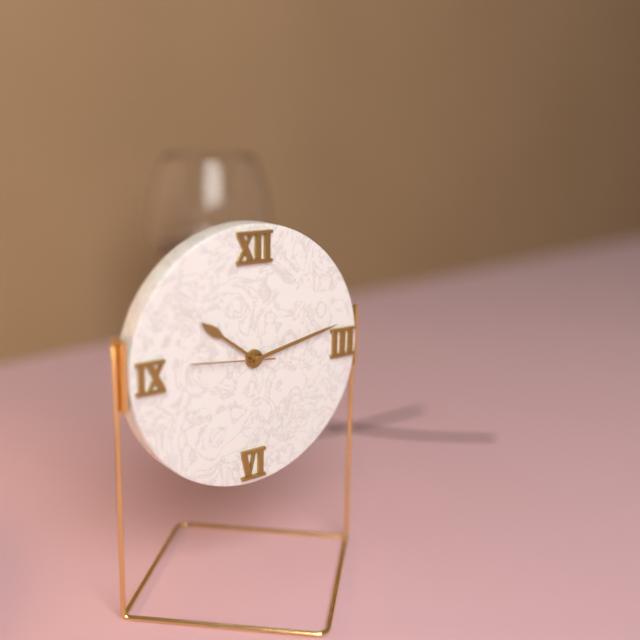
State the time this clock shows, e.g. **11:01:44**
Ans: **10:13:46**
